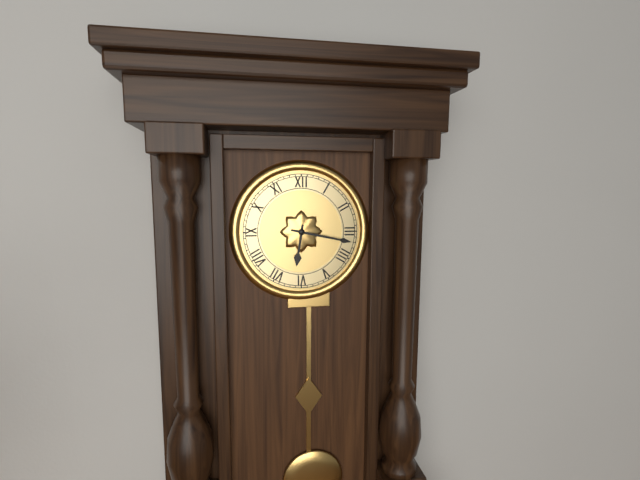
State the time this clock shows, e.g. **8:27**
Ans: **6:17**
